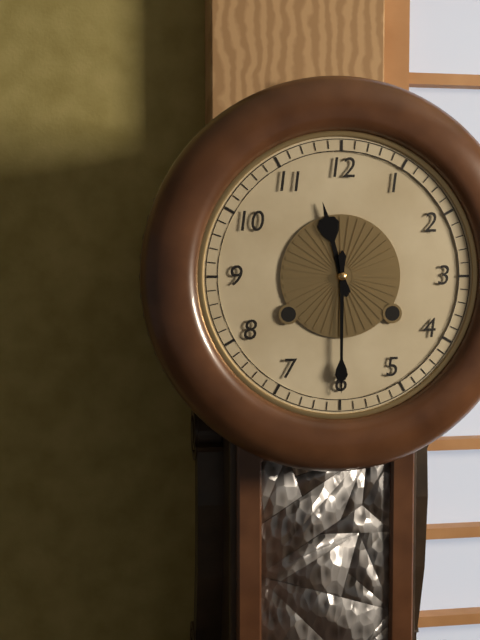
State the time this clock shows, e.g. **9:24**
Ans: **11:30**
